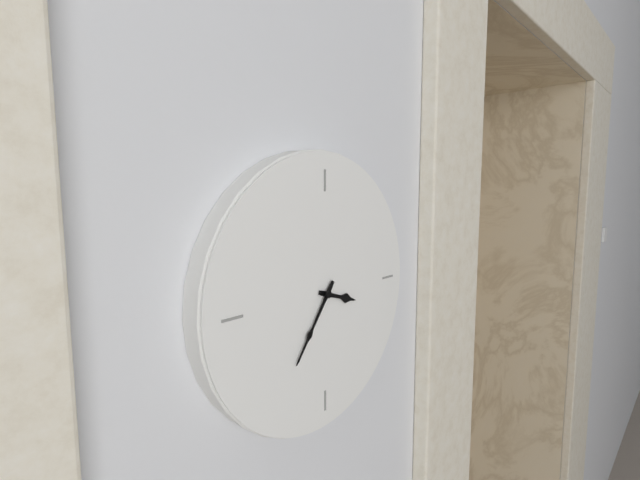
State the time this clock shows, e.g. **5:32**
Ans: **3:36**
